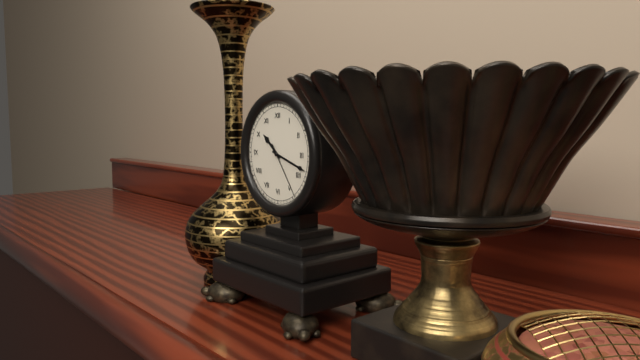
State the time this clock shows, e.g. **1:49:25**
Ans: **10:18:24**
